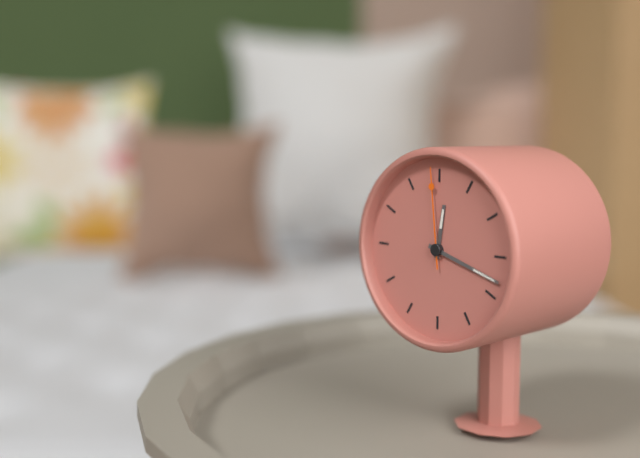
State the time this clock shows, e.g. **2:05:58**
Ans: **12:18:59**
